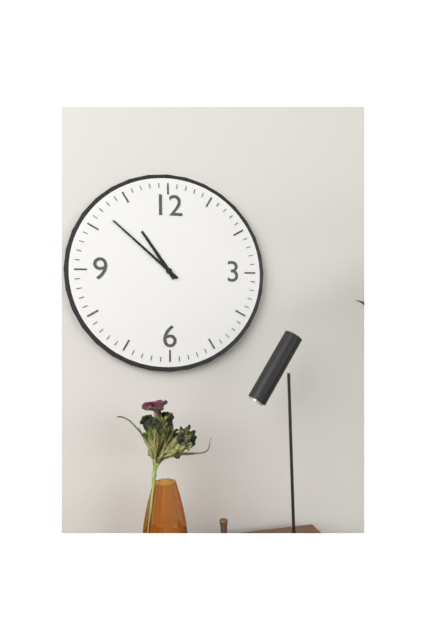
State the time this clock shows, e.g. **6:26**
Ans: **10:52**
